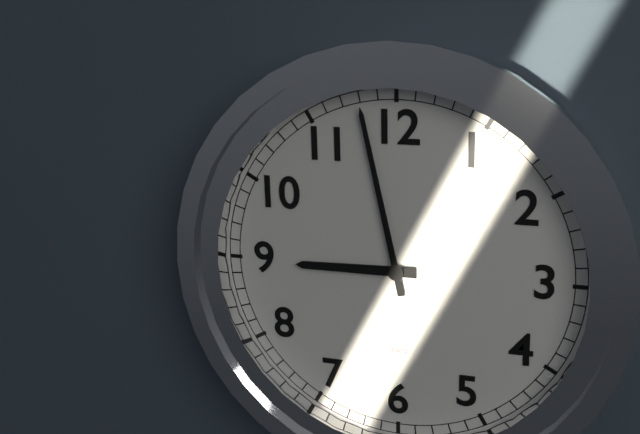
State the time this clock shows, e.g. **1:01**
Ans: **8:58**
